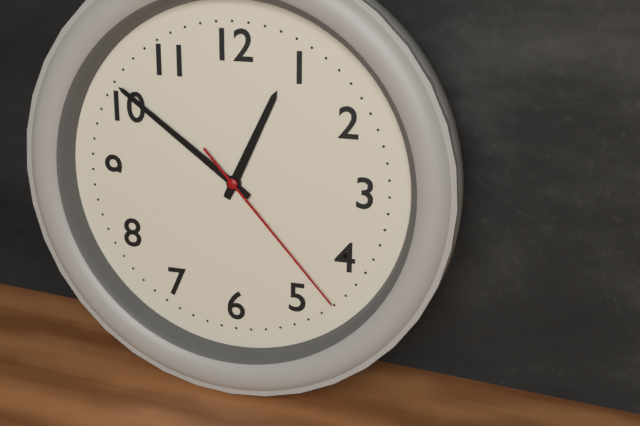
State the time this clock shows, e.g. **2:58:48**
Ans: **12:51:23**
